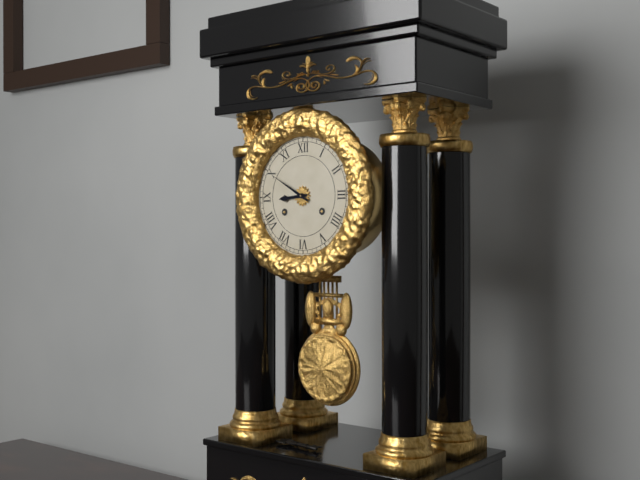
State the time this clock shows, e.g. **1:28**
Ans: **8:50**
